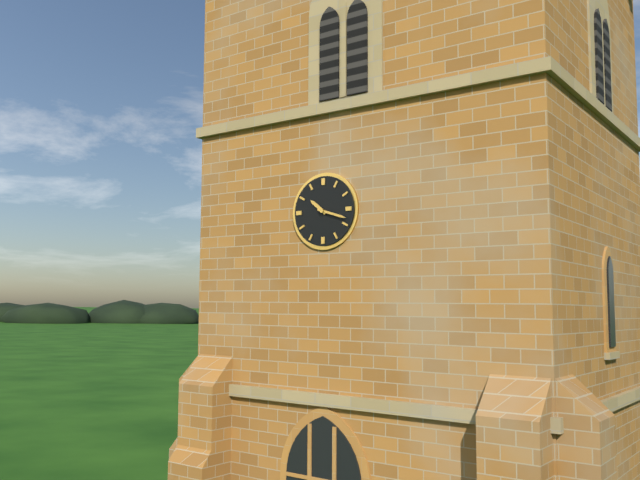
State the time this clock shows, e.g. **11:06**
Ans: **10:18**
